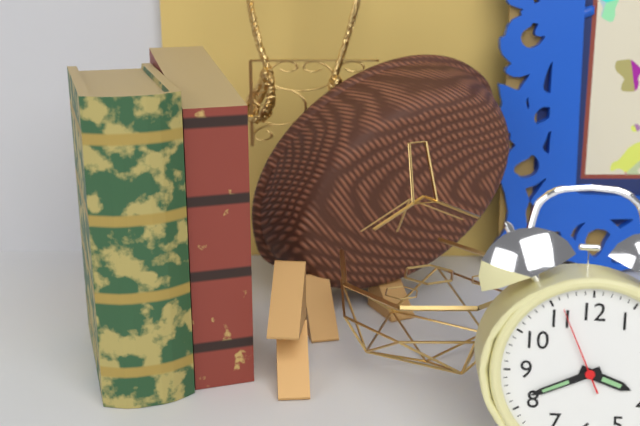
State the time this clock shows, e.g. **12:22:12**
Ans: **3:41:56**
